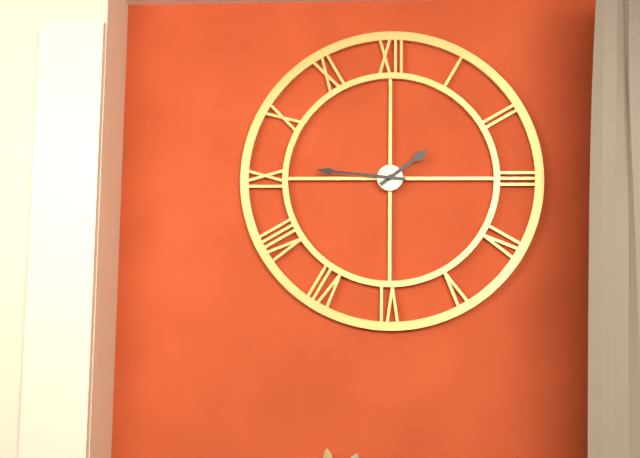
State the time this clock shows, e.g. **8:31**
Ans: **1:46**
